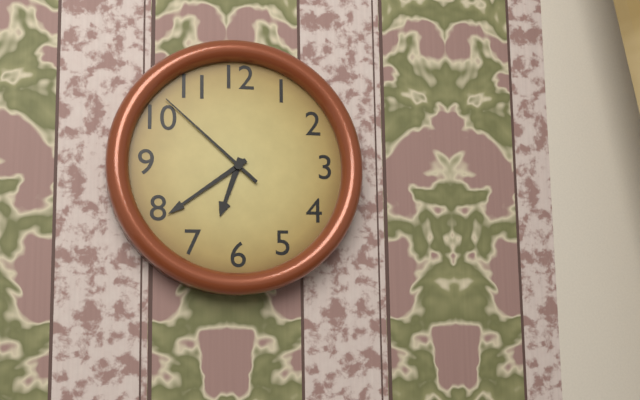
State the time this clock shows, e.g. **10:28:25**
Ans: **6:39:52**
